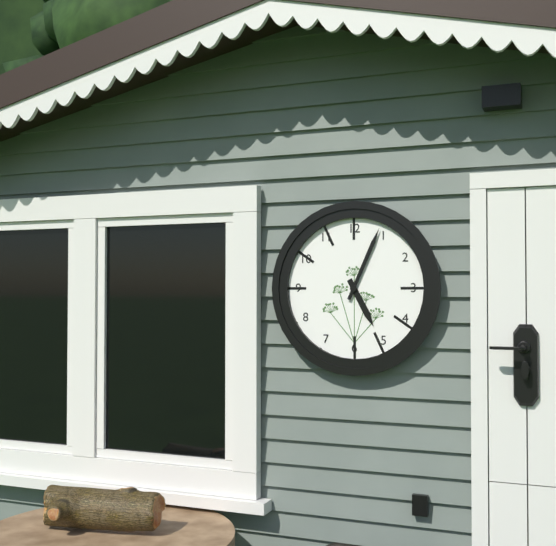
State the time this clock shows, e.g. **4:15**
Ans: **5:04**
